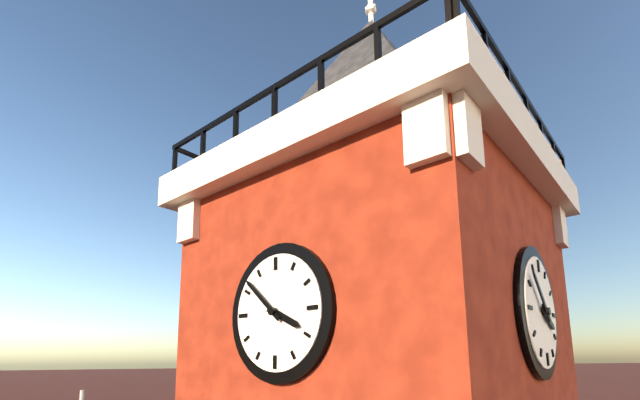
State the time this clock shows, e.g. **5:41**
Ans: **3:52**
